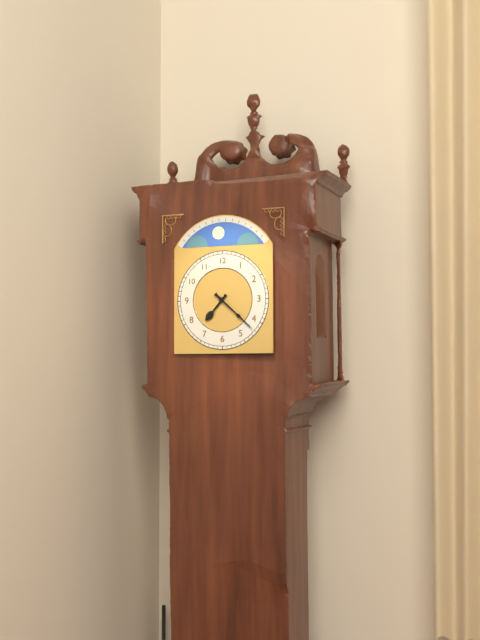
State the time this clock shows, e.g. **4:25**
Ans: **7:22**
